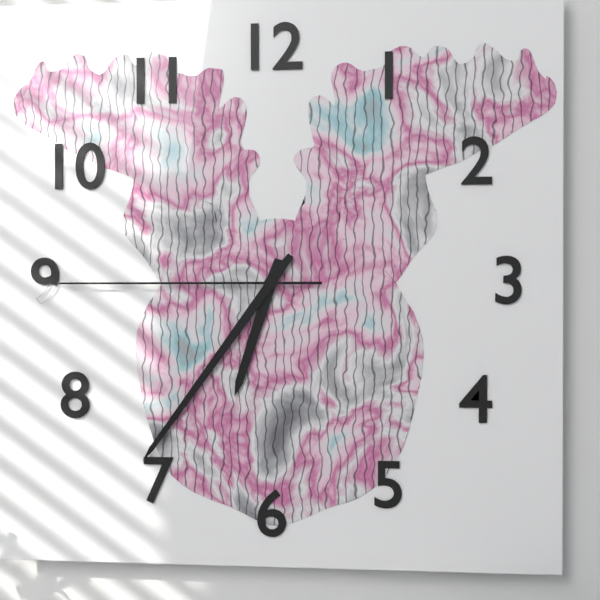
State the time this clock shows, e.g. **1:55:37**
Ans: **6:36:45**
